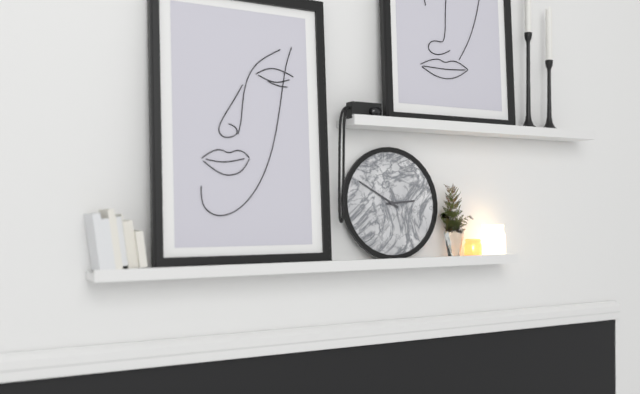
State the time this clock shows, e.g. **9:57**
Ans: **2:50**
